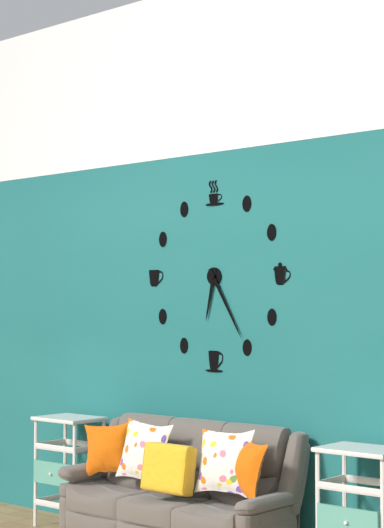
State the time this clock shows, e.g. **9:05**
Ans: **6:25**
